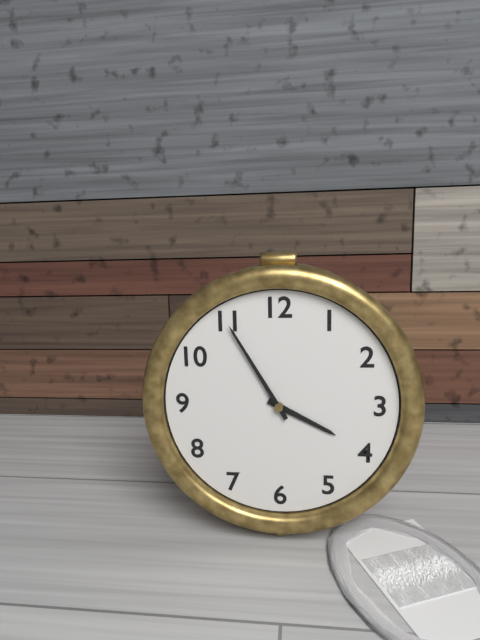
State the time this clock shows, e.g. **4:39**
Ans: **3:55**
